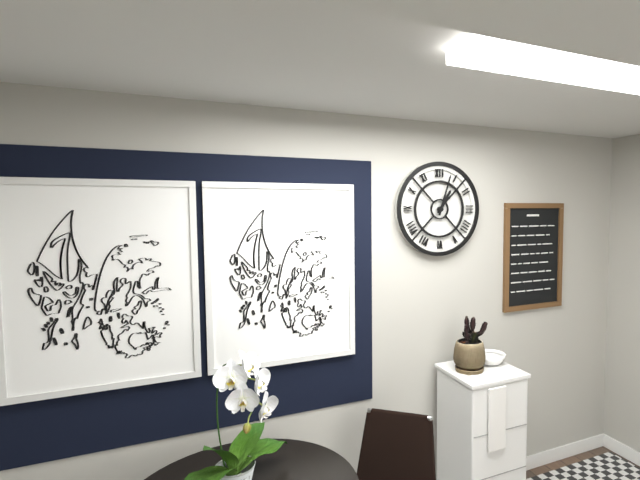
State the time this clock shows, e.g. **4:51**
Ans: **1:03**
